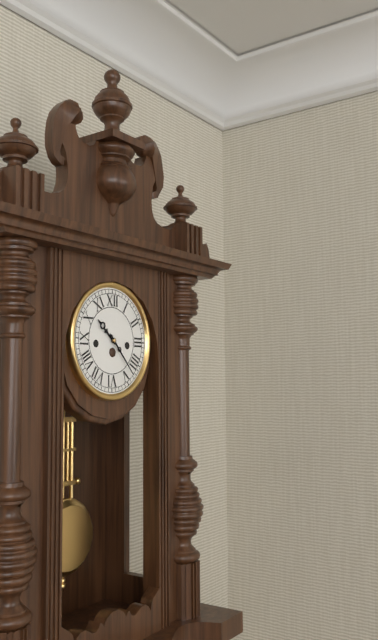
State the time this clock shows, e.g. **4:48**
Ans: **10:23**
